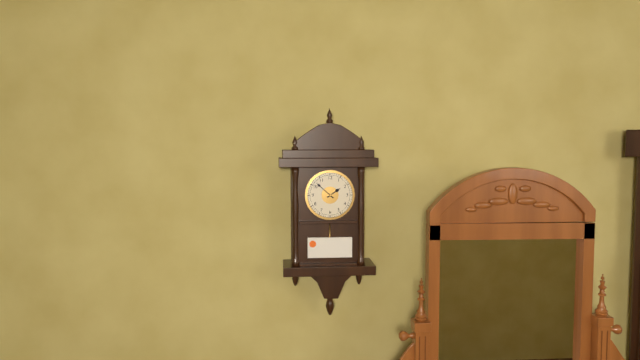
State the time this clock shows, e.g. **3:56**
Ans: **1:52**
